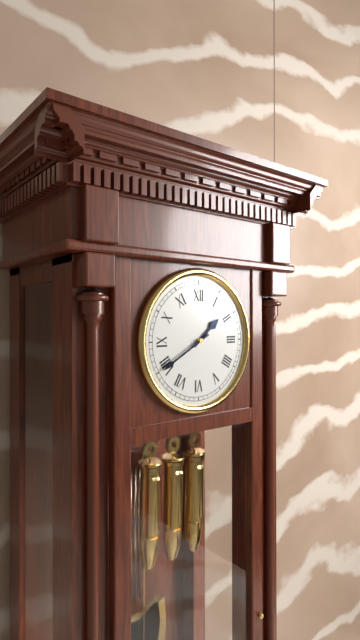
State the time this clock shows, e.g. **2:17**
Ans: **1:40**
